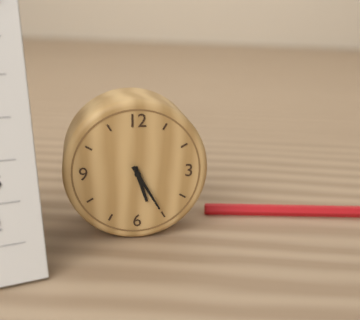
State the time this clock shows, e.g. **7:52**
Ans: **5:25**
